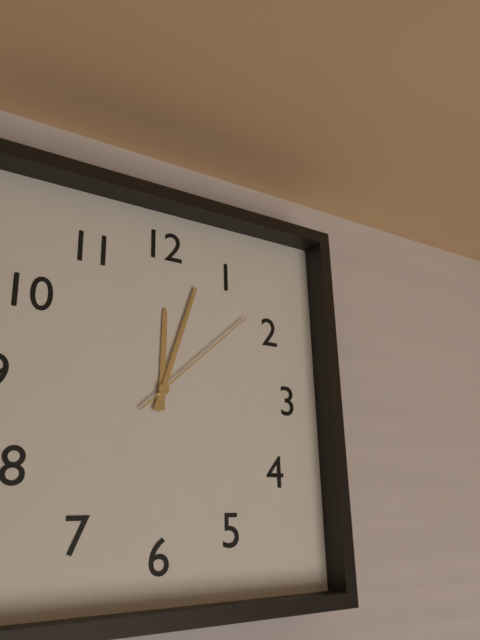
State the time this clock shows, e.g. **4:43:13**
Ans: **12:03:08**
